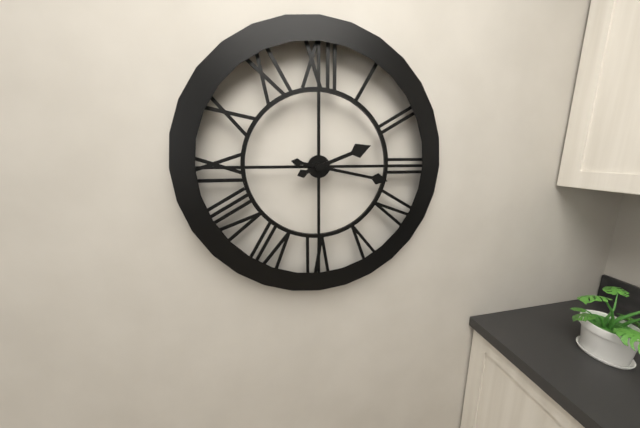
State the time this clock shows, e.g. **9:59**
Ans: **2:17**
